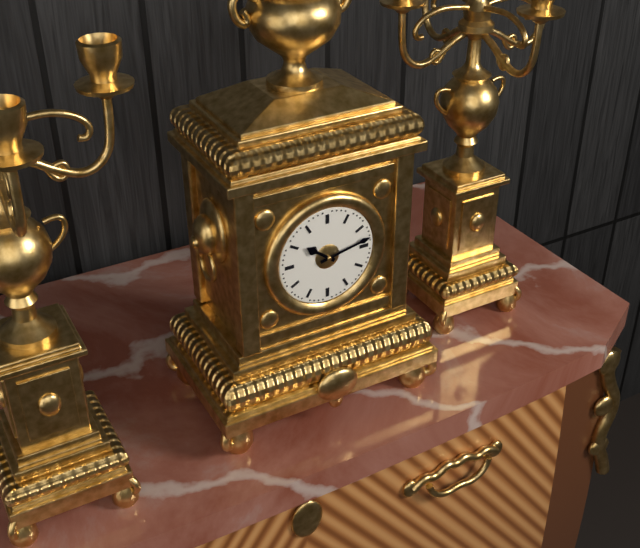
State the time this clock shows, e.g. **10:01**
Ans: **10:13**
